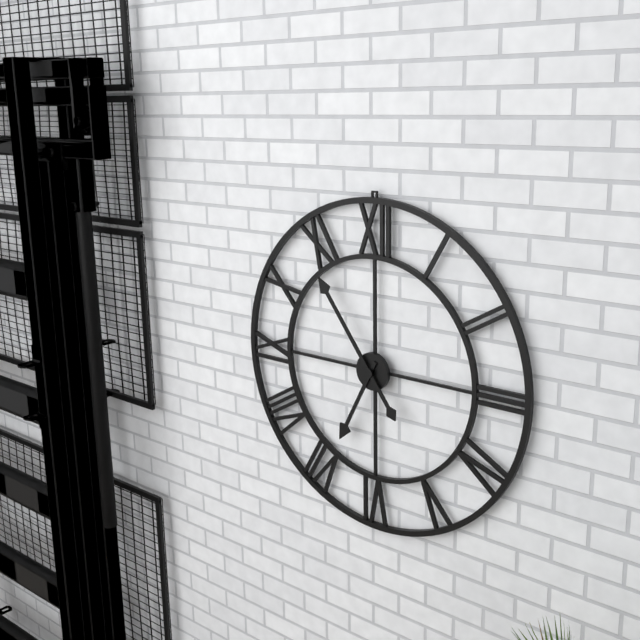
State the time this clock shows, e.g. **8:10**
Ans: **6:54**
